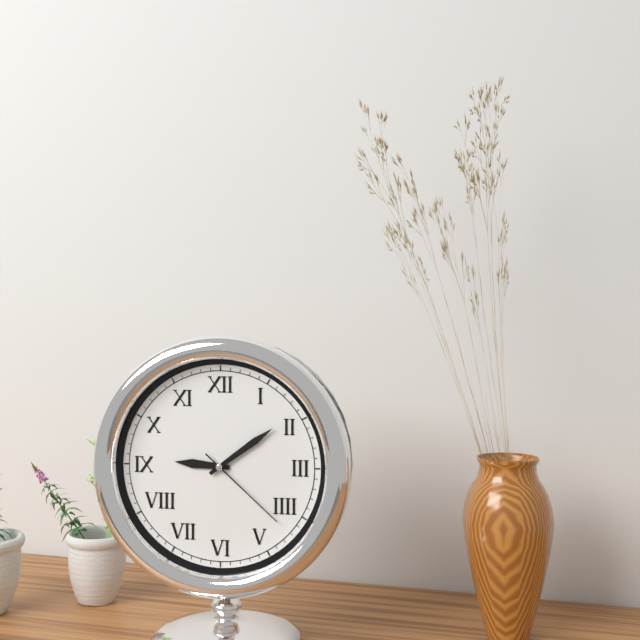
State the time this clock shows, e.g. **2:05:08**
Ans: **9:09:22**
